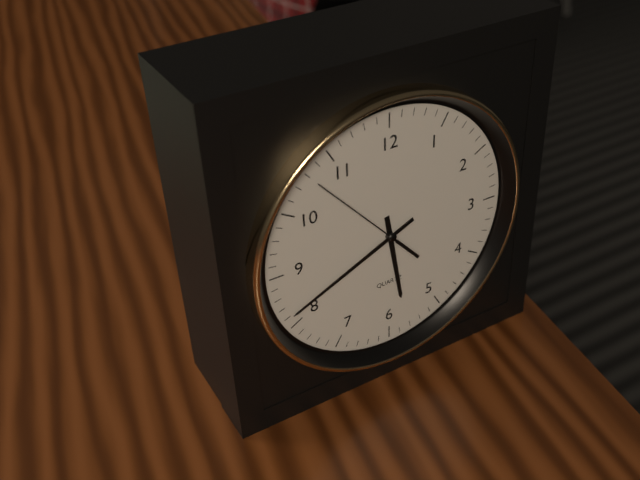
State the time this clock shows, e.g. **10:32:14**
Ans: **5:41:53**
